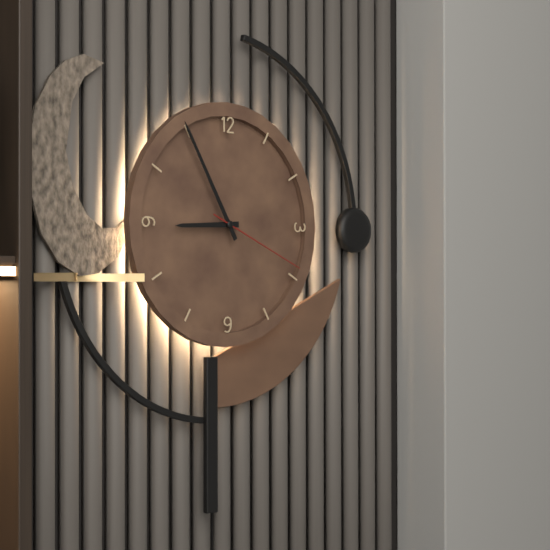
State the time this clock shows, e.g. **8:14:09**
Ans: **8:55:19**
